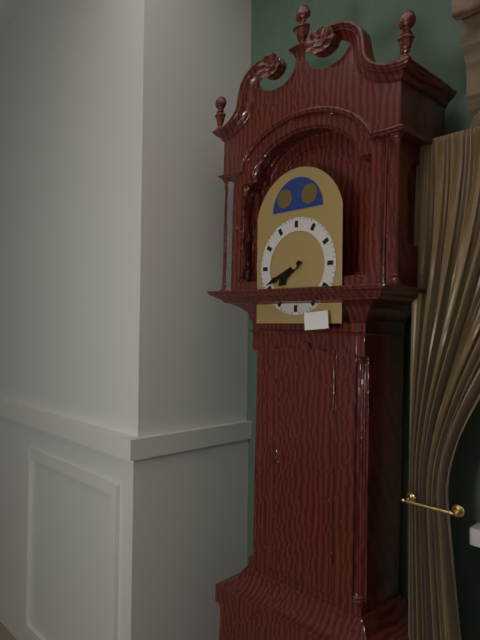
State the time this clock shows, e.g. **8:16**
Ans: **7:41**
